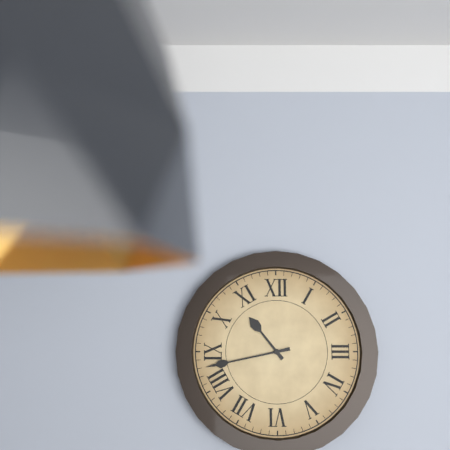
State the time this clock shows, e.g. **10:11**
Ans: **10:43**
